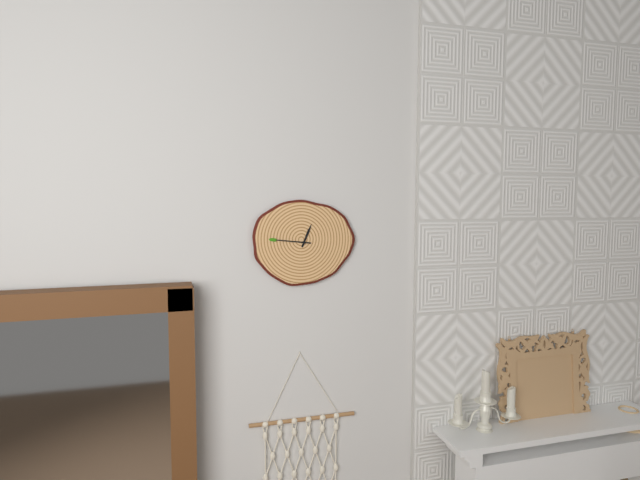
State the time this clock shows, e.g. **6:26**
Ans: **12:46**
